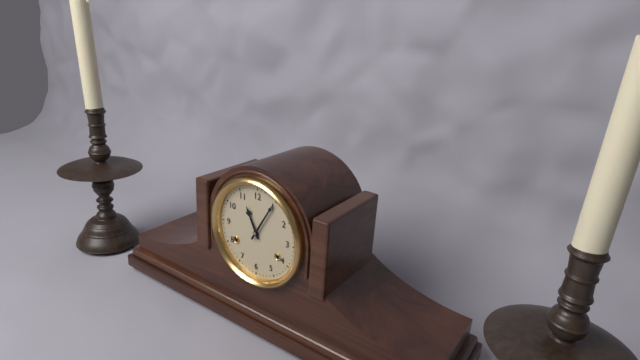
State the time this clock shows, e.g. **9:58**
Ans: **11:05**
